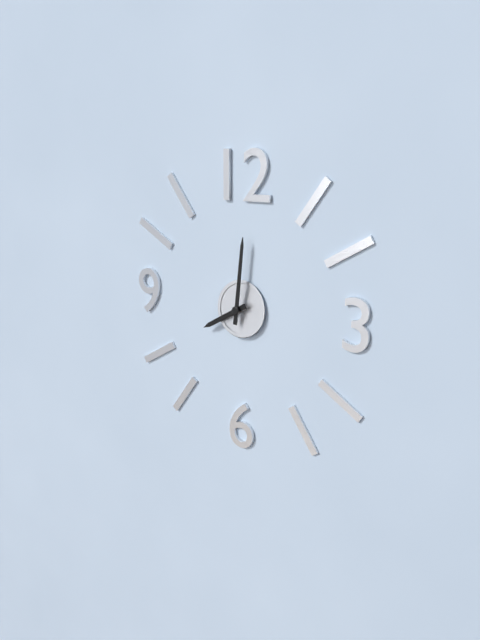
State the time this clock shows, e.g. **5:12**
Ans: **8:01**
